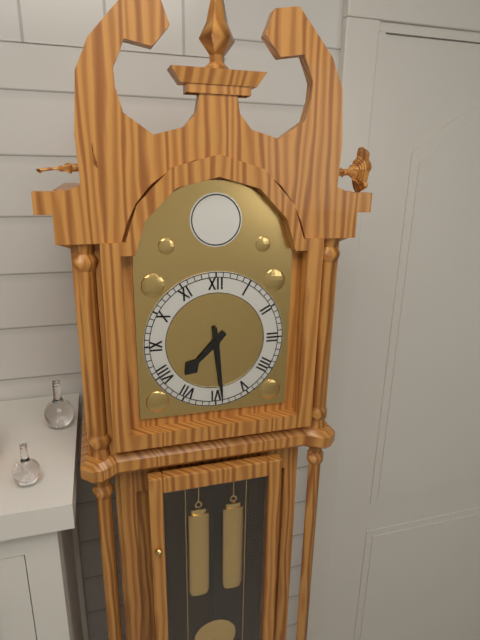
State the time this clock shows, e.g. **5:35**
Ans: **7:29**
